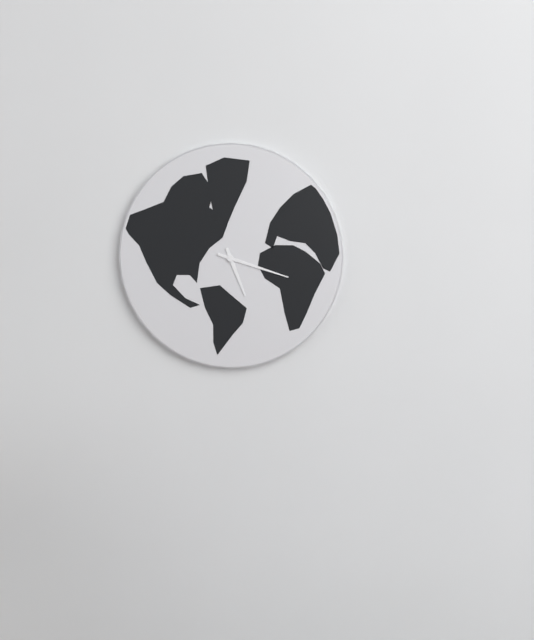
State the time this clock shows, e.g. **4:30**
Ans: **5:18**
